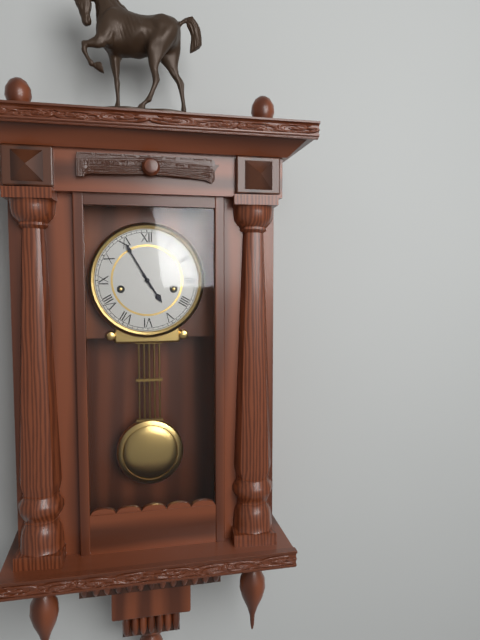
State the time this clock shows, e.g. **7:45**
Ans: **4:55**
